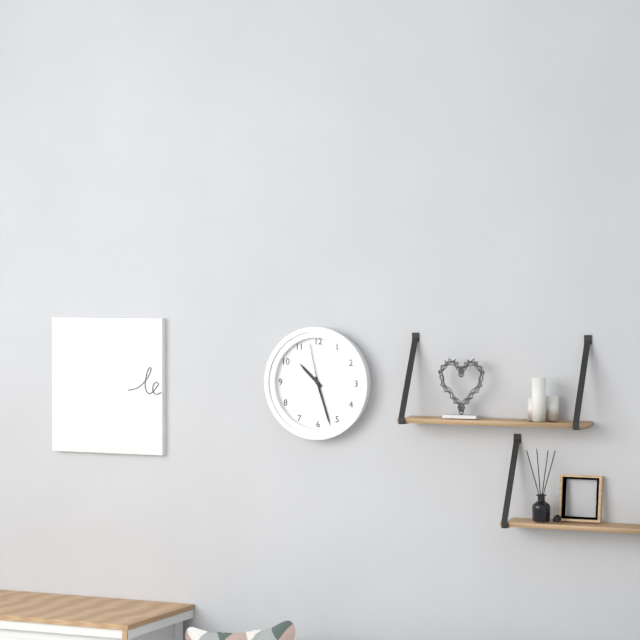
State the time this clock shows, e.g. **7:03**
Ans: **10:27**
